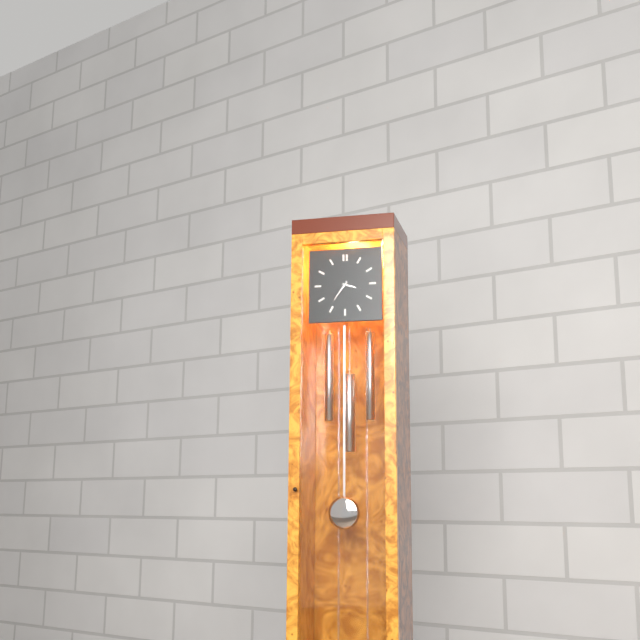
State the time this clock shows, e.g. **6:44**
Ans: **3:36**
